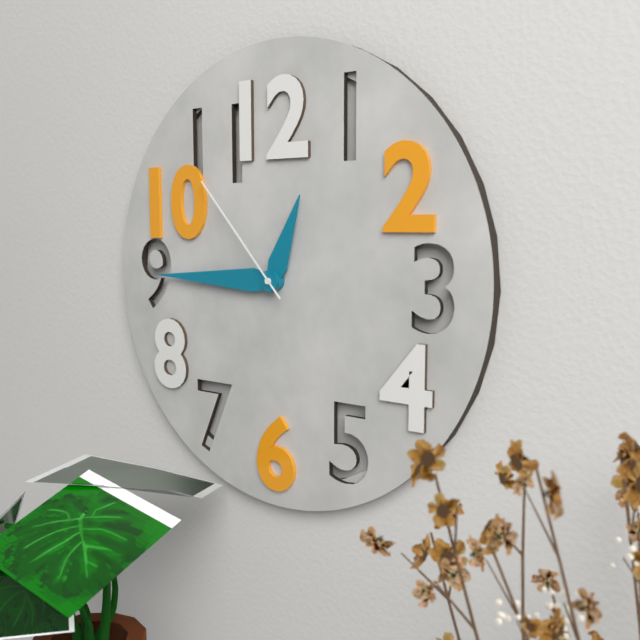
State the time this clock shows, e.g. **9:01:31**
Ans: **12:45:53**
